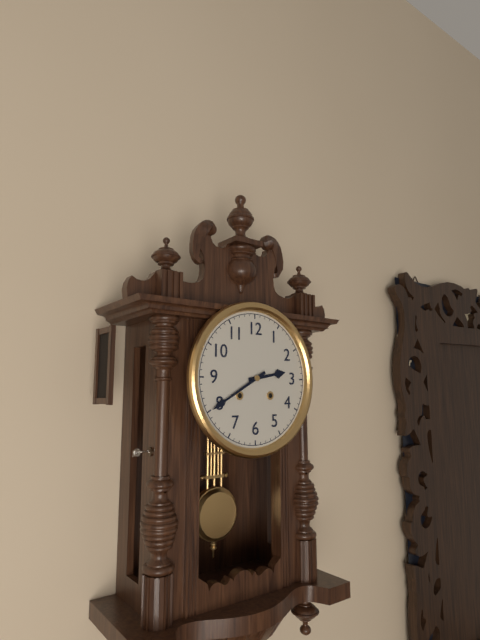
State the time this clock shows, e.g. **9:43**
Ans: **2:40**
